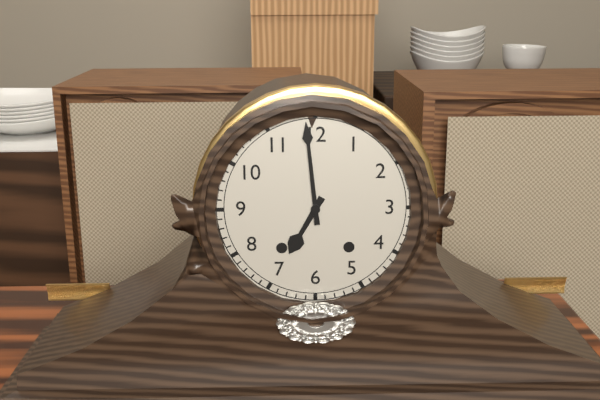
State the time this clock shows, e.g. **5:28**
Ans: **6:59**
